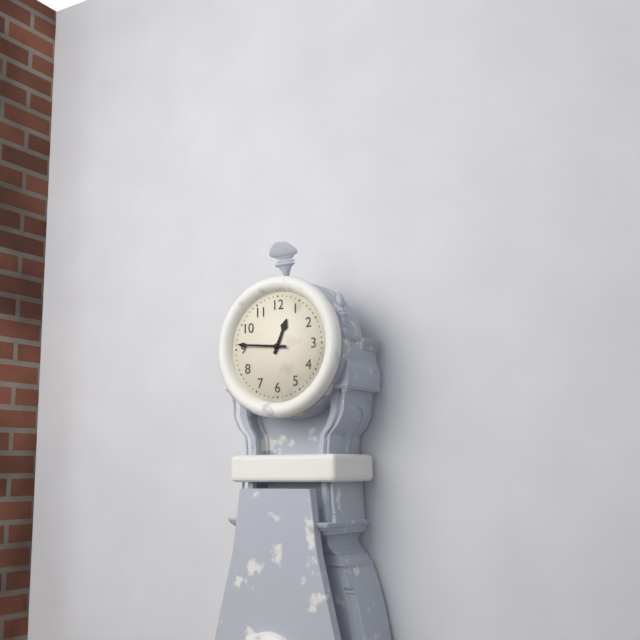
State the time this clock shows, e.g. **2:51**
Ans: **12:46**
